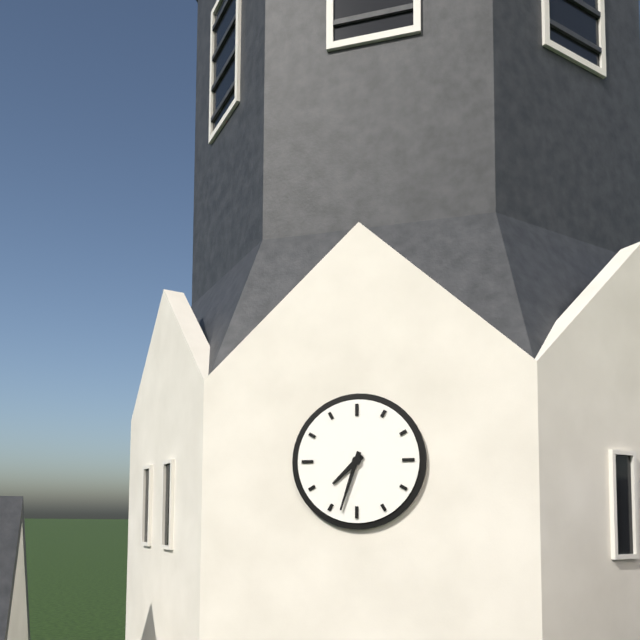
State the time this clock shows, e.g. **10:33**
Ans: **7:33**
